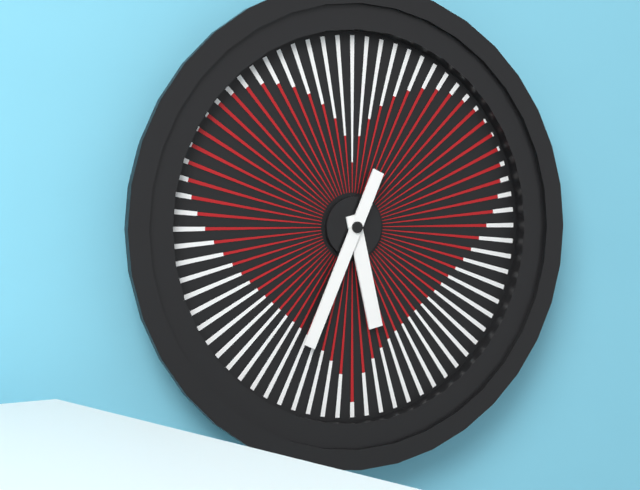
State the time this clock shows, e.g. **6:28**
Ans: **5:34**
